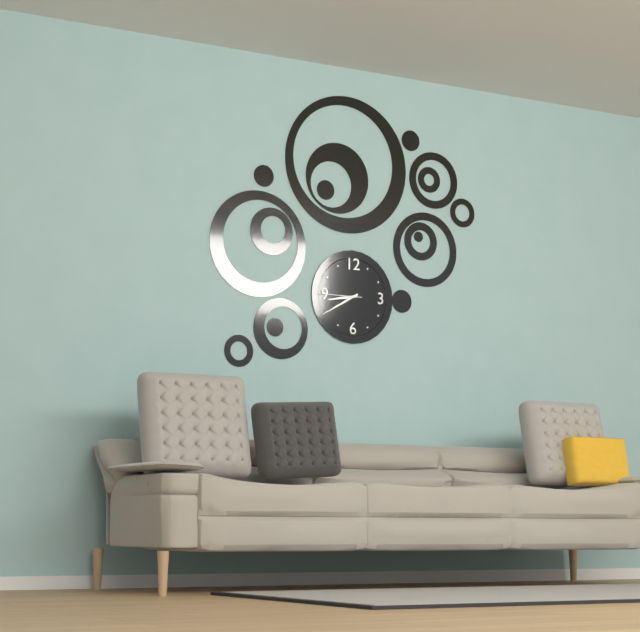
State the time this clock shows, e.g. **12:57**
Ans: **8:40**
